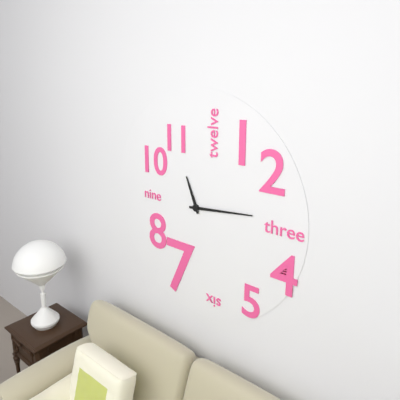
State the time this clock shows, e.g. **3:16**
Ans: **11:14**
